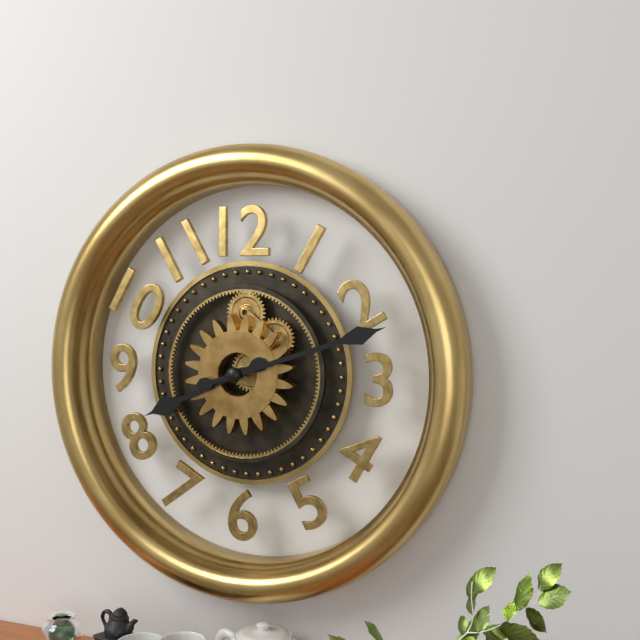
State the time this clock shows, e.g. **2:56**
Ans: **8:12**
